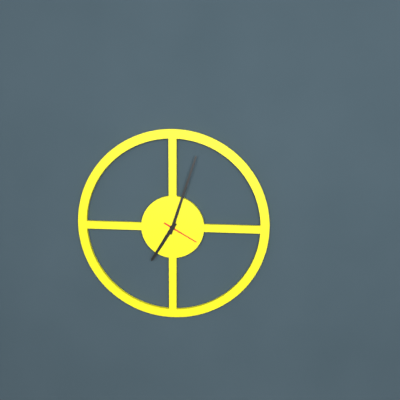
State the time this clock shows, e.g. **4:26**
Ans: **7:03**
